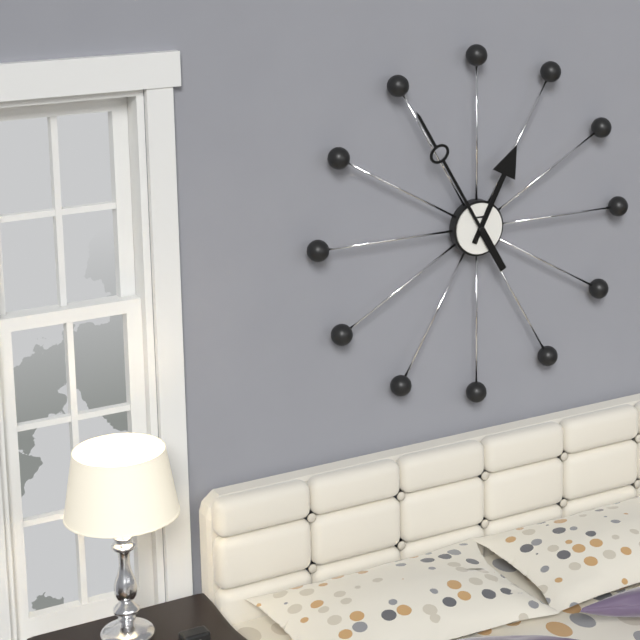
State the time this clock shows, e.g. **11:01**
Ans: **12:55**
